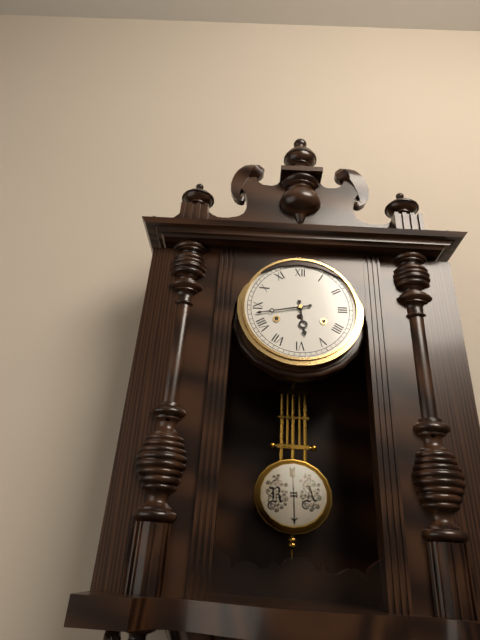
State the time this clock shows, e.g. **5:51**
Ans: **5:43**
